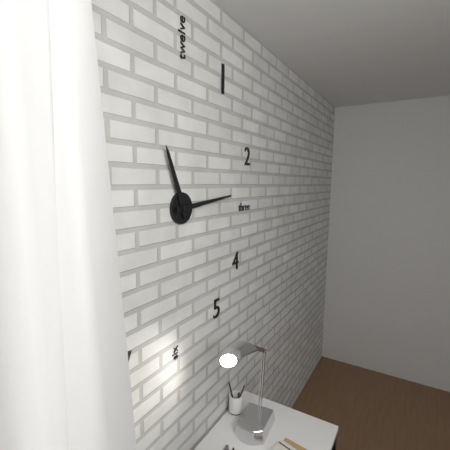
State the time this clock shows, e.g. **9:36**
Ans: **11:14**
